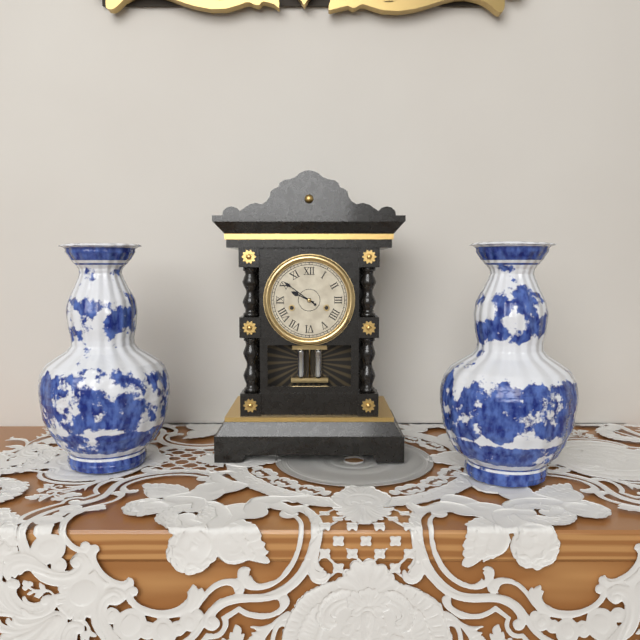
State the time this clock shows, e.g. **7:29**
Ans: **9:51**
